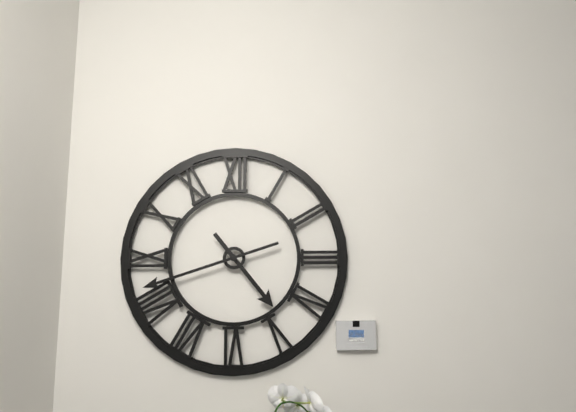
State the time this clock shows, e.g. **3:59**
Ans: **4:42**
